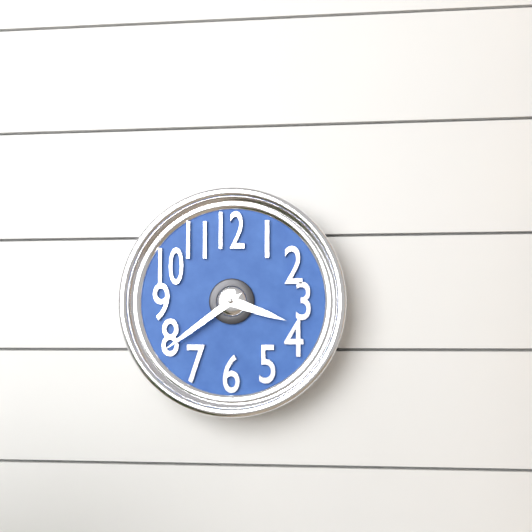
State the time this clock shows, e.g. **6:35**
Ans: **3:39**
